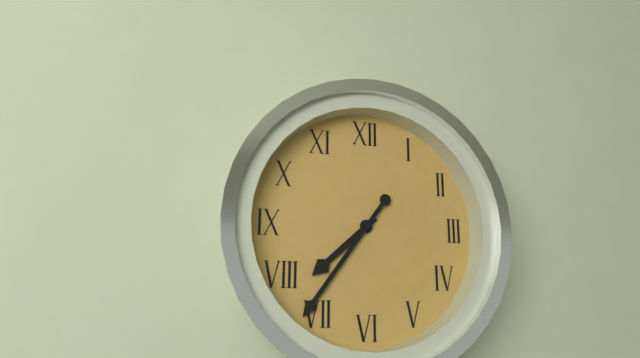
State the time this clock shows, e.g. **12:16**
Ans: **7:36**
